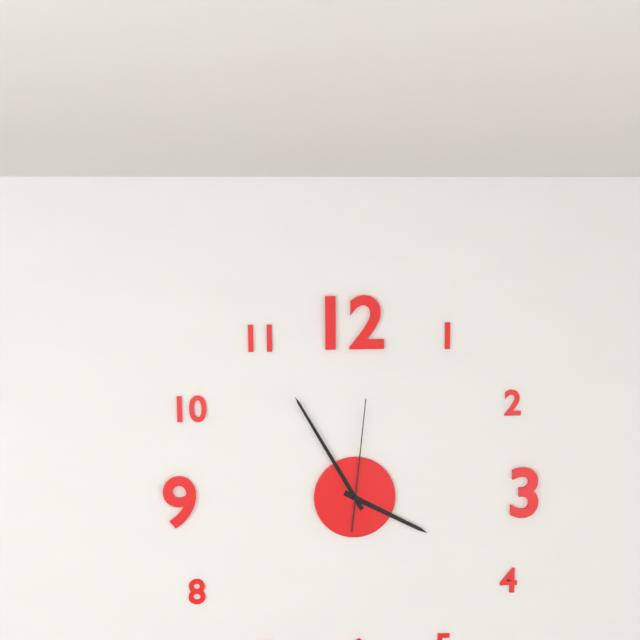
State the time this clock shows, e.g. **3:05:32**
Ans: **3:55:01**
